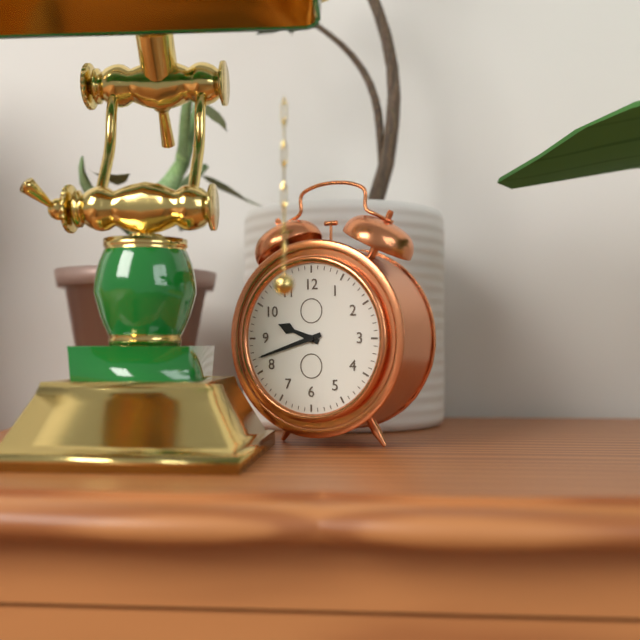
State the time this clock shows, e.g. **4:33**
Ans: **9:42**
